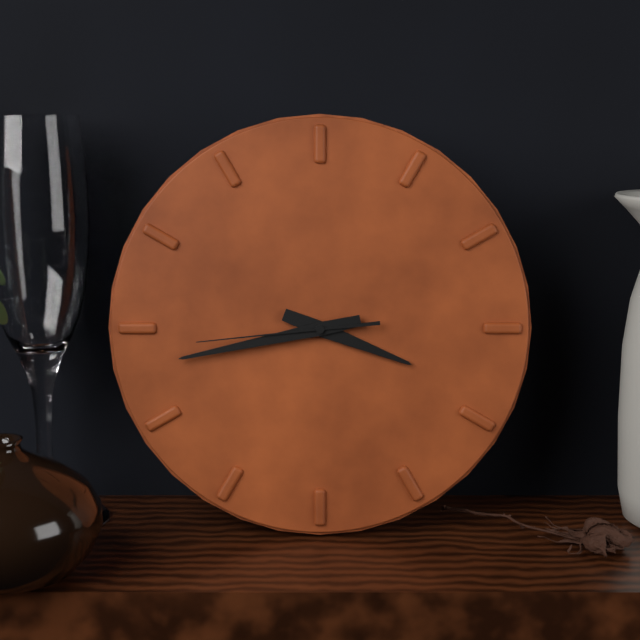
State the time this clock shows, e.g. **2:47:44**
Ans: **3:43:44**
